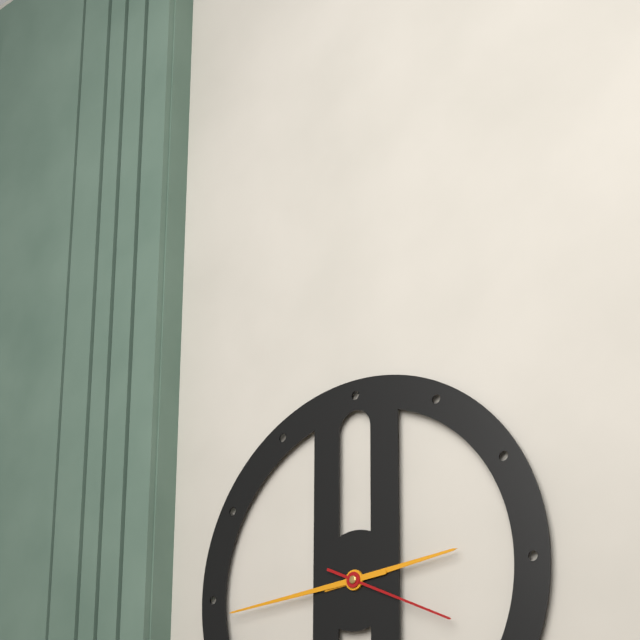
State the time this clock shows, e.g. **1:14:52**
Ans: **2:44:19**
